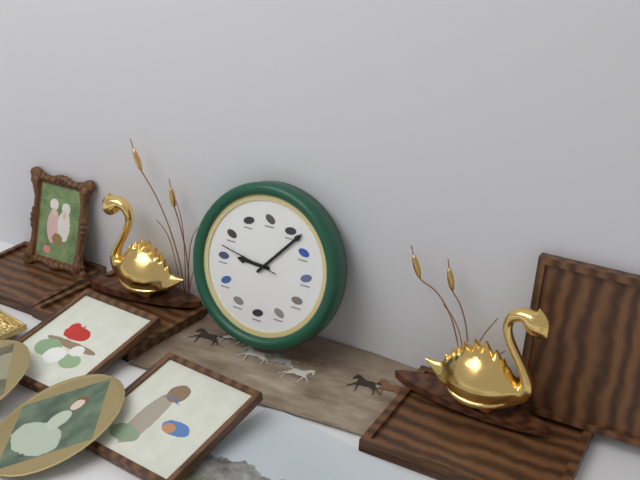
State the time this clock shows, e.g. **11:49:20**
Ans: **9:07:47**
